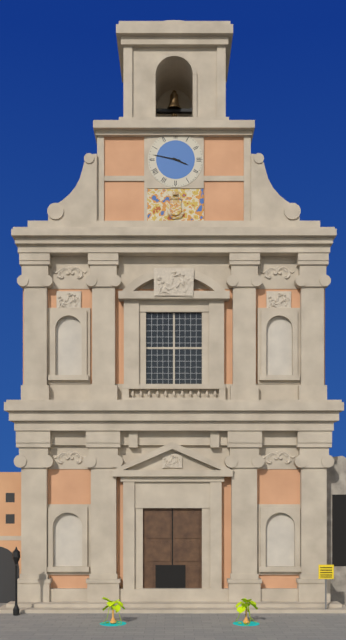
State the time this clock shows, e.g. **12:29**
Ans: **3:47**
